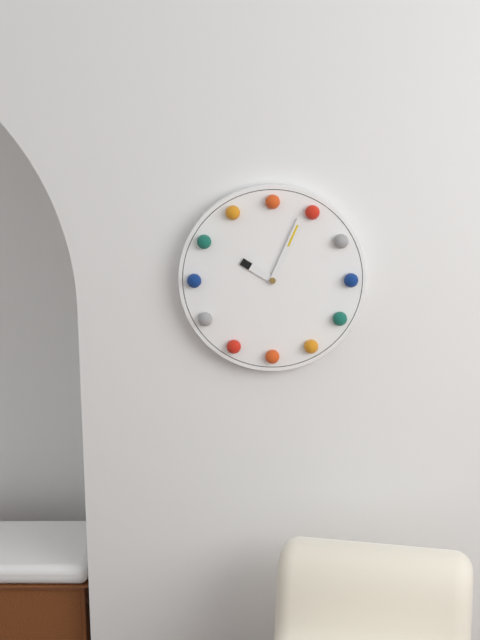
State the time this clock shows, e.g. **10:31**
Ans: **10:04**
